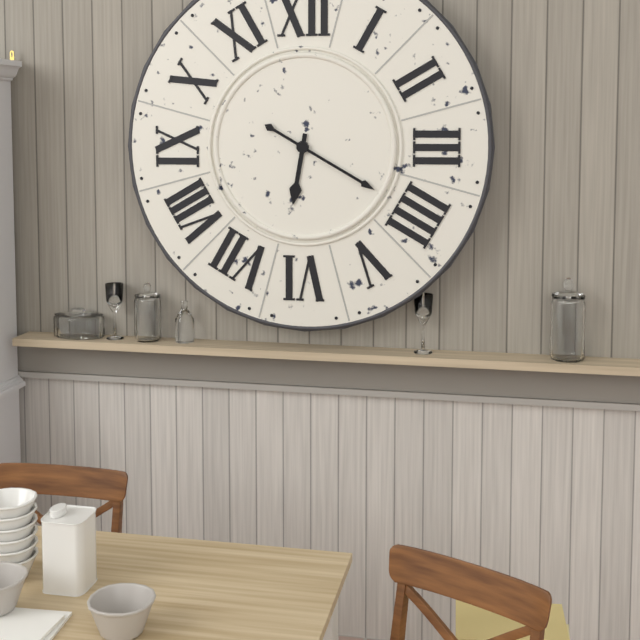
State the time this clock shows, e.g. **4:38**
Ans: **6:20**
